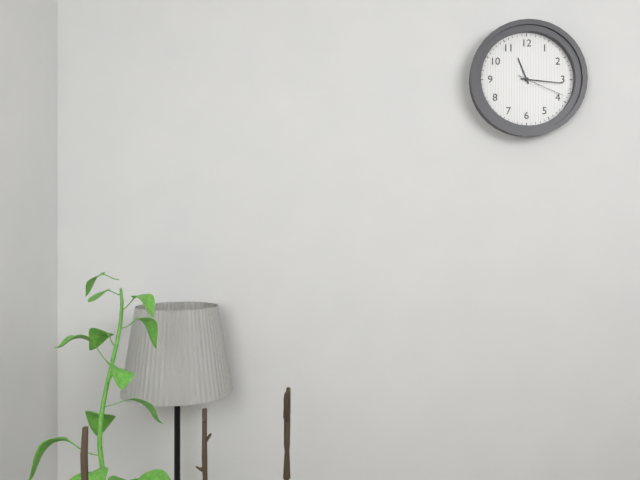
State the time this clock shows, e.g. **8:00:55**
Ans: **11:16:19**
